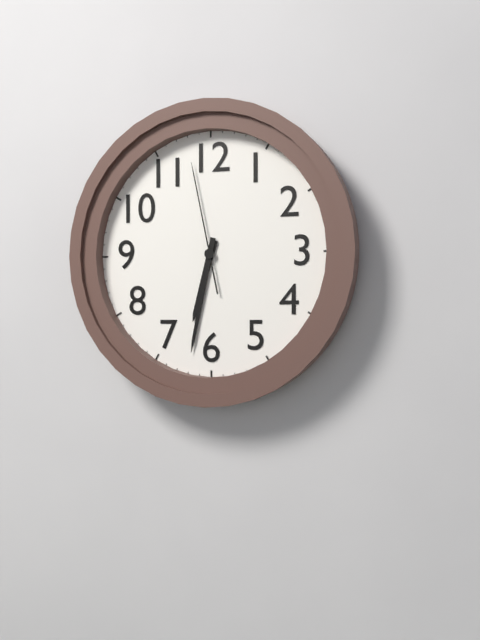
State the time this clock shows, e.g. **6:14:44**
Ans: **6:32:58**
